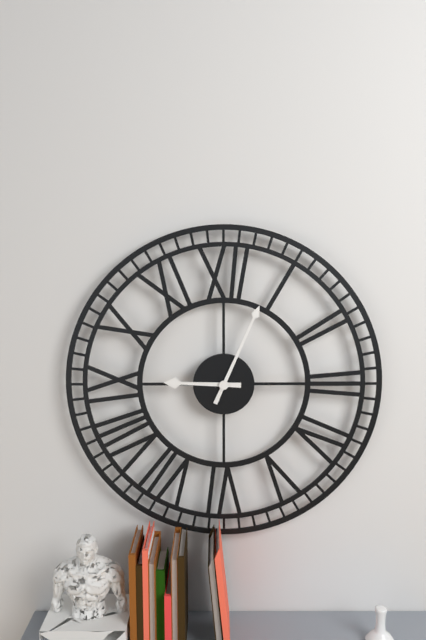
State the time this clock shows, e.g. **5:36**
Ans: **9:04**
